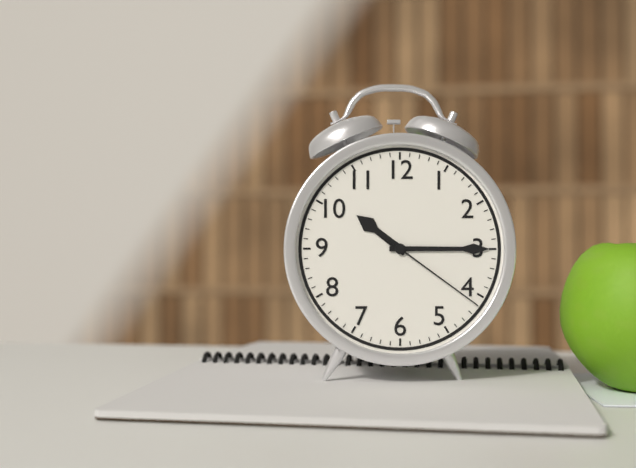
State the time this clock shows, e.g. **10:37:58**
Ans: **10:15:21**
